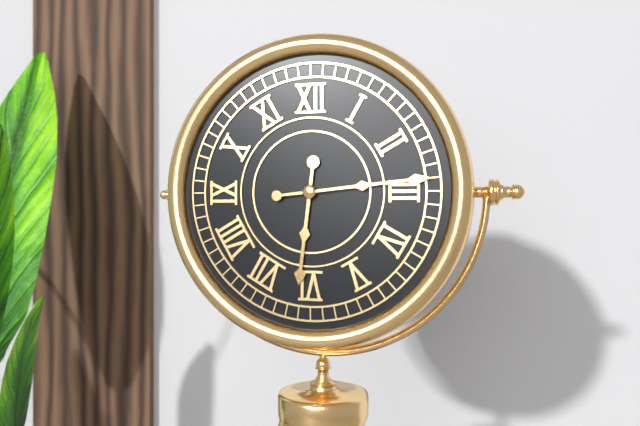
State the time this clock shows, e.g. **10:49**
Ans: **6:14**
